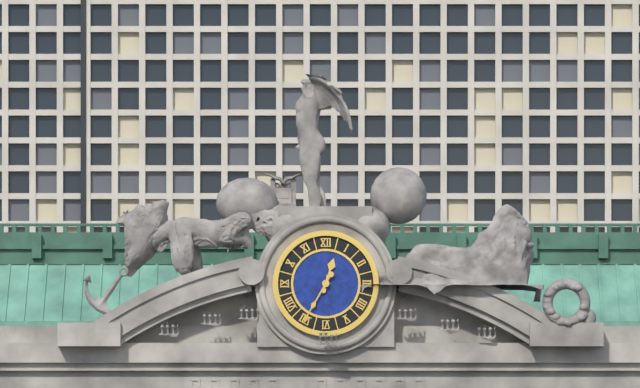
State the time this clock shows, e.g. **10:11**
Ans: **12:35**
